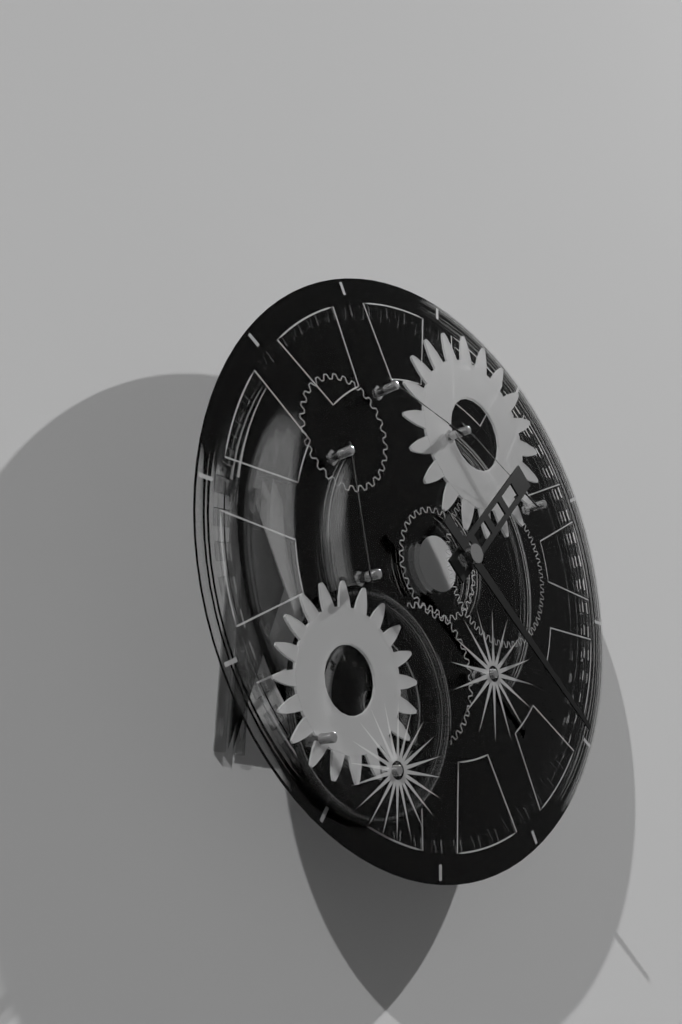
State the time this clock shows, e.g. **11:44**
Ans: **1:21**
